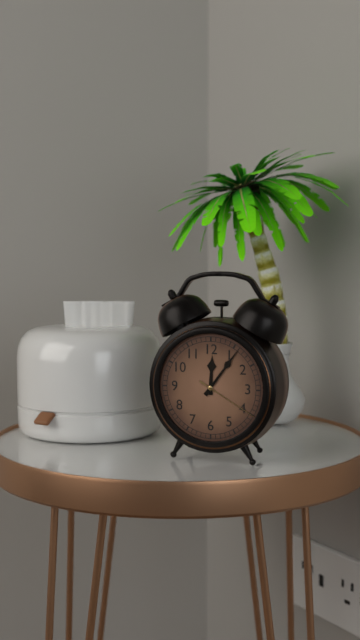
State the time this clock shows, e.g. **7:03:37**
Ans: **12:06:20**
